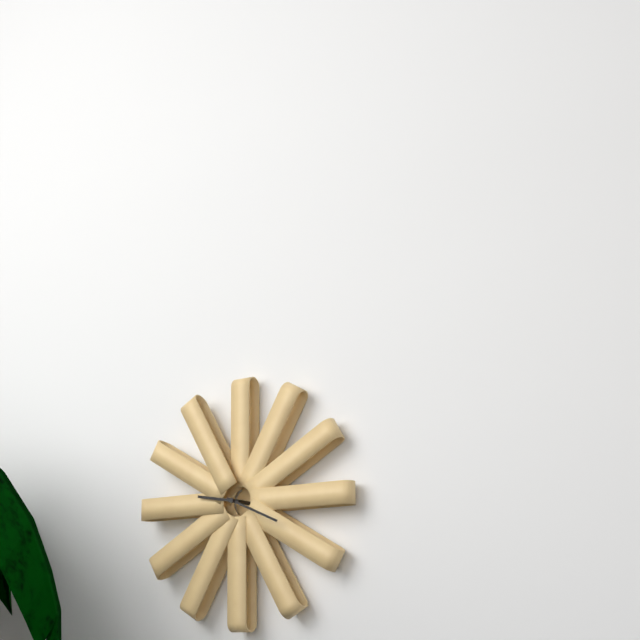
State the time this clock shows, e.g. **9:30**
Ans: **9:19**
